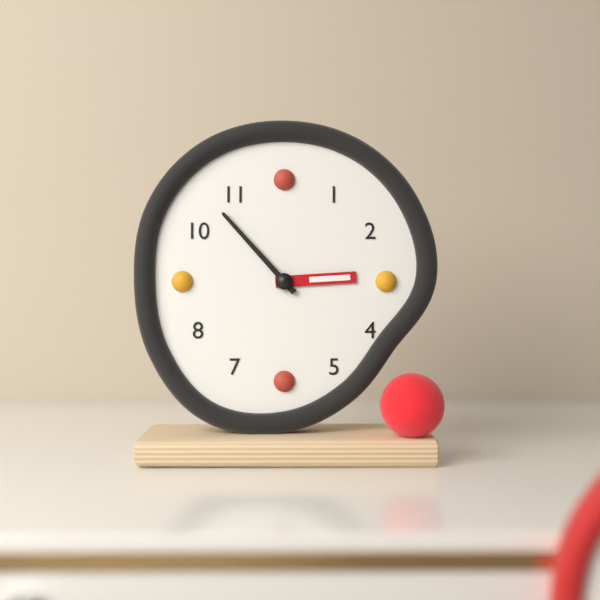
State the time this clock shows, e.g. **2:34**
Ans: **2:53**
